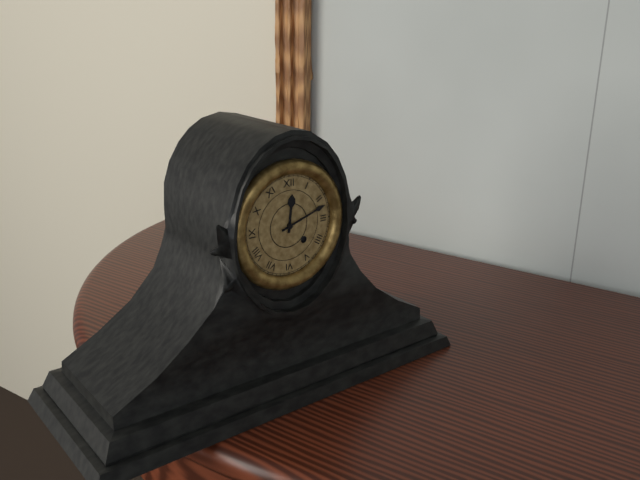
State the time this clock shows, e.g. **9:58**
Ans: **12:12**
